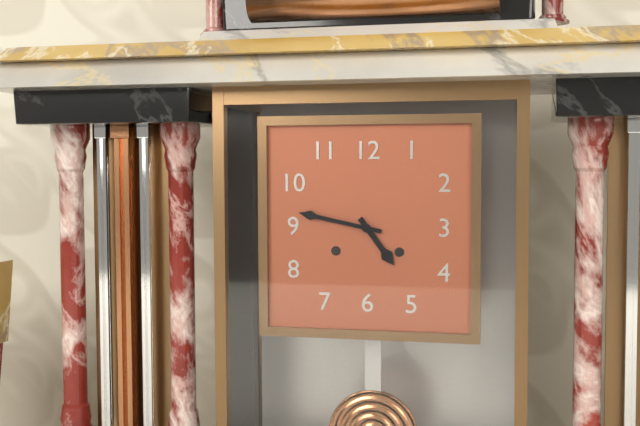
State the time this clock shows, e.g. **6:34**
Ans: **4:47**
